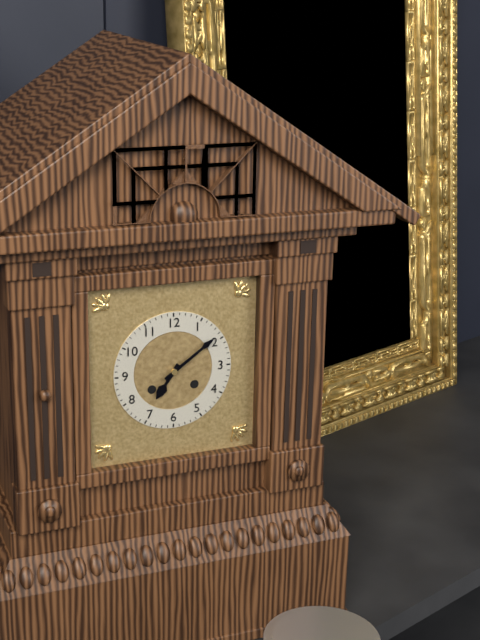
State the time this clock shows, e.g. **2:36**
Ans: **7:09**
